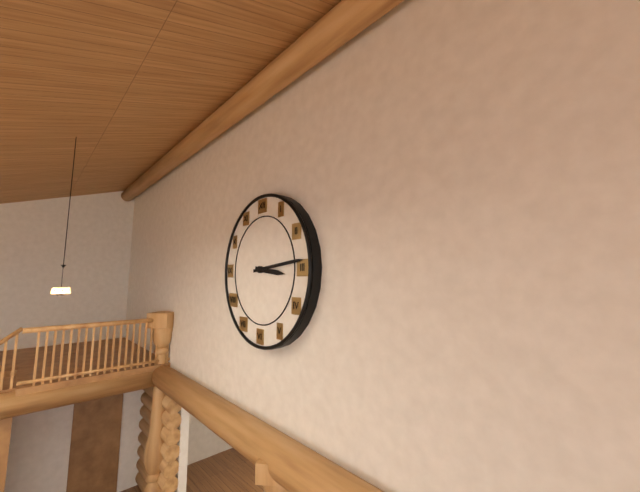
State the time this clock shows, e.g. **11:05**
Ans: **3:14**
